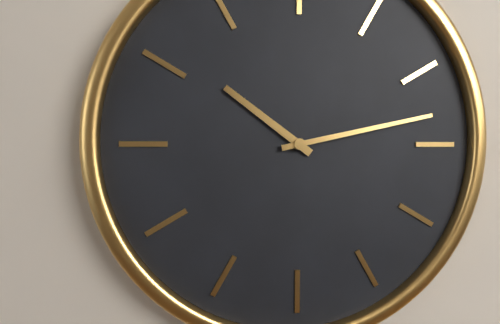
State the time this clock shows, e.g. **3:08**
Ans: **10:13**
